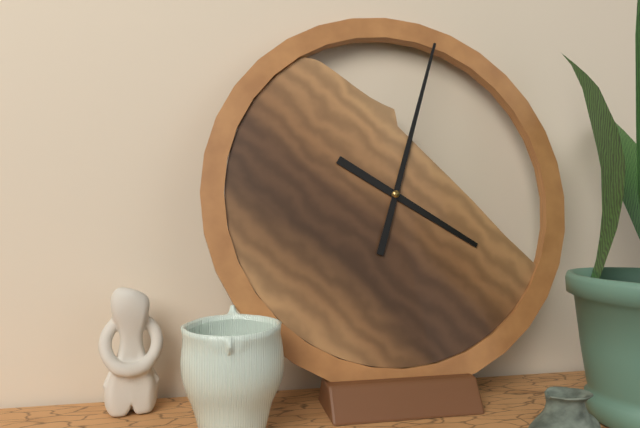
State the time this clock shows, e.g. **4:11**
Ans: **4:03**
